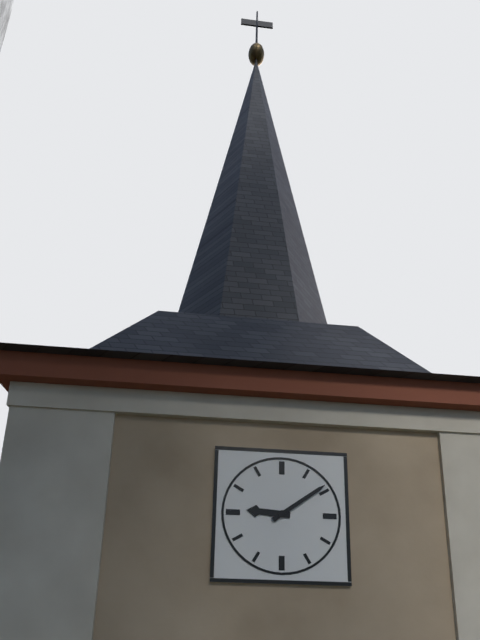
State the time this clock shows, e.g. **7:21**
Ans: **9:09**
